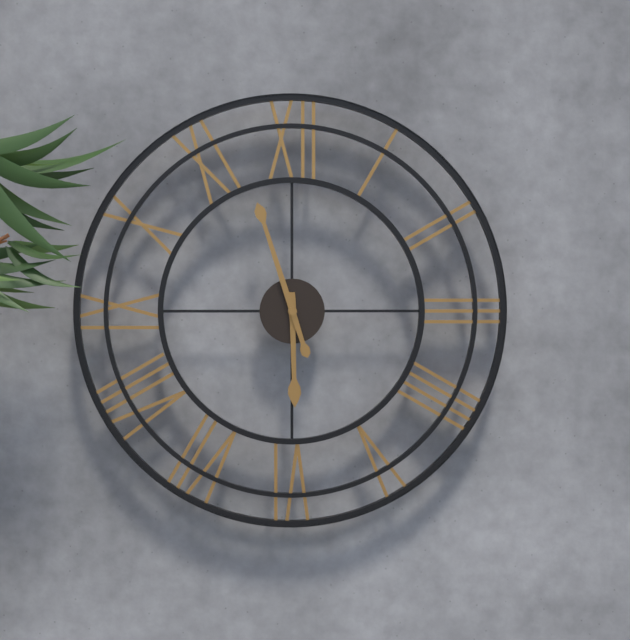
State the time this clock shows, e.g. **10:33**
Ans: **5:57**
